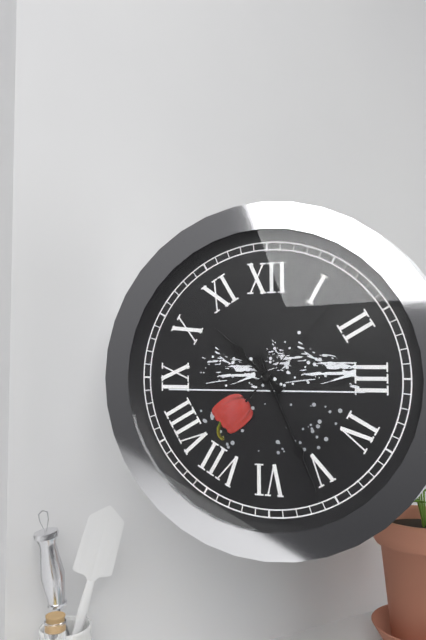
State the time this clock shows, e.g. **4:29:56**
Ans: **10:26:07**
